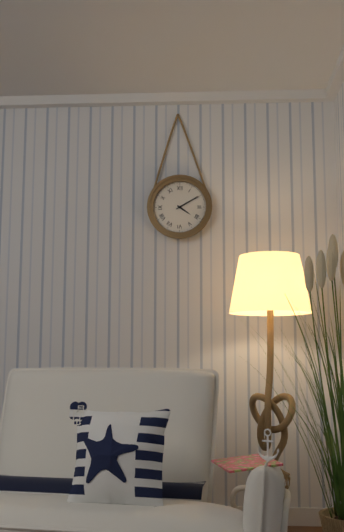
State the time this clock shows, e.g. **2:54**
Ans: **4:10**
